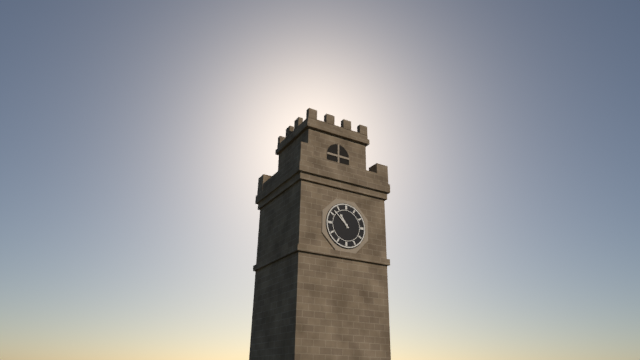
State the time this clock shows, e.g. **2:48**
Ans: **10:52**
